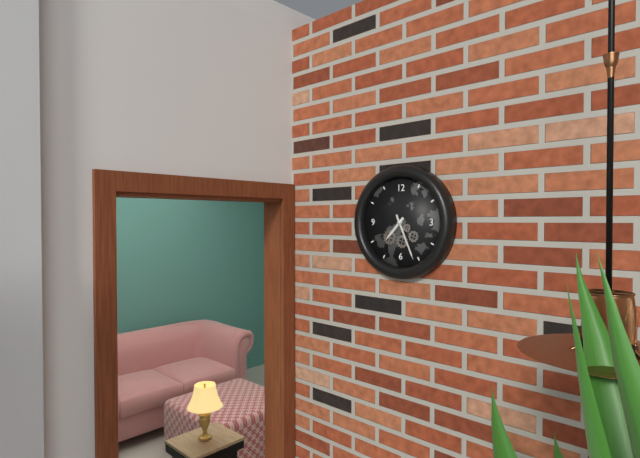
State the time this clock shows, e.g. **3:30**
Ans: **7:26**
